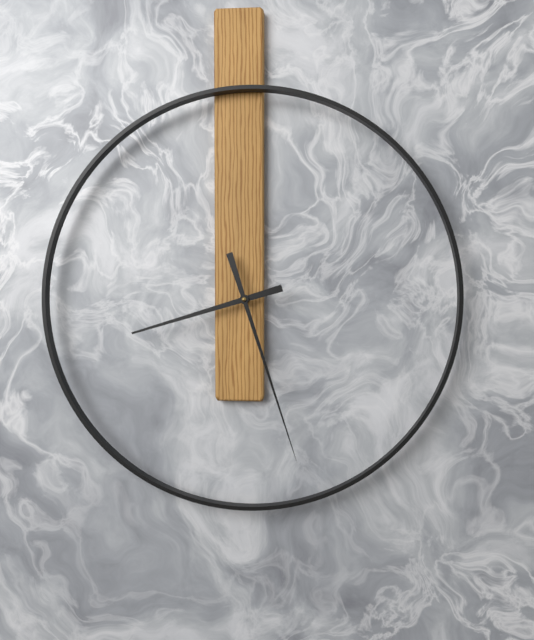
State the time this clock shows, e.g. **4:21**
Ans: **8:27**
